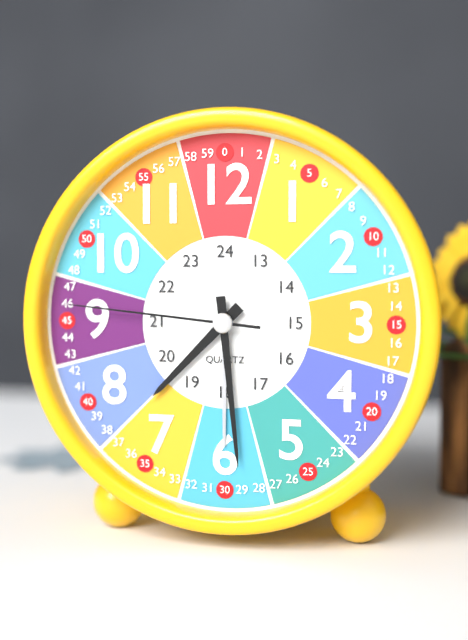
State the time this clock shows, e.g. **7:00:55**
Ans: **7:29:46**
